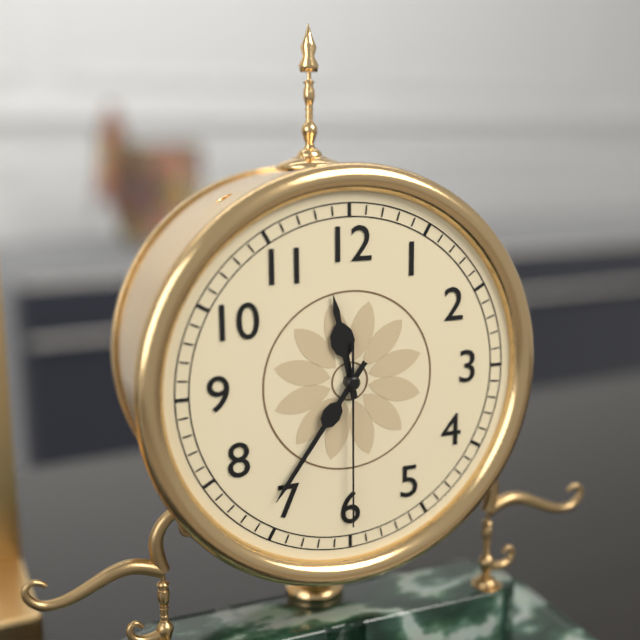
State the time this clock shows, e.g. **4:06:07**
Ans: **11:36:30**
